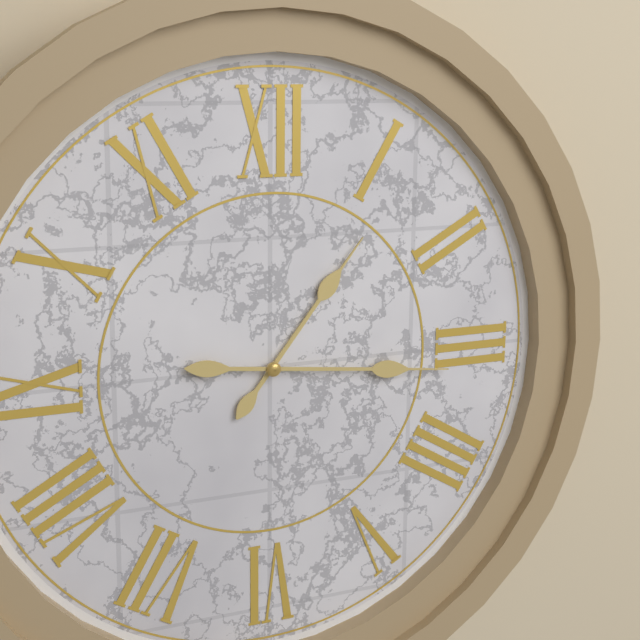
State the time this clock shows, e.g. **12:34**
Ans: **1:16**
